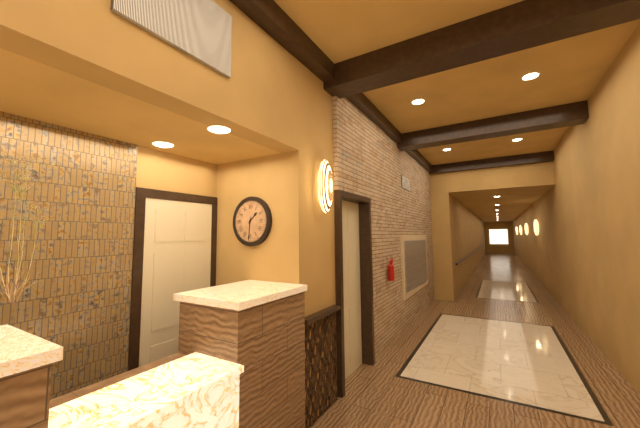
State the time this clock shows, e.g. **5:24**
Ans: **1:31**
